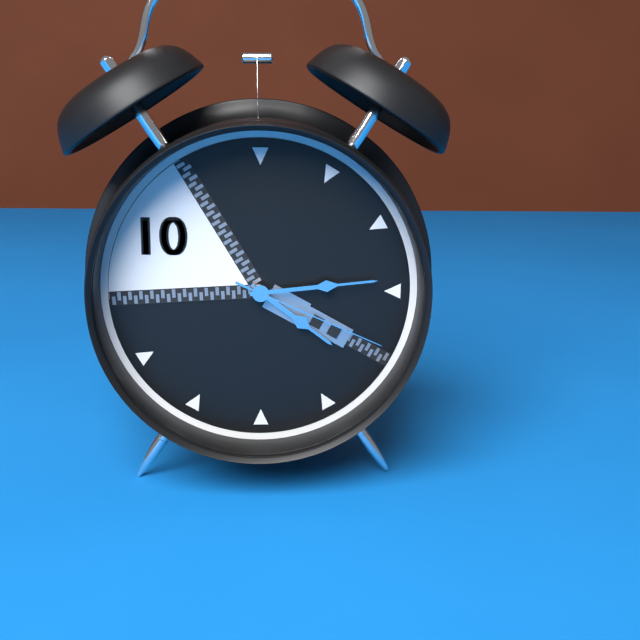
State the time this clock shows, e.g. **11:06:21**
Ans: **4:14:19**
